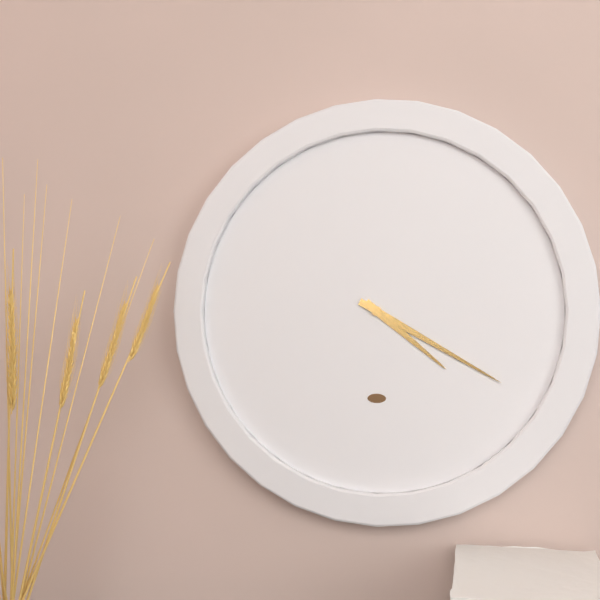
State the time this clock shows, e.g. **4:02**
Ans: **4:20**
